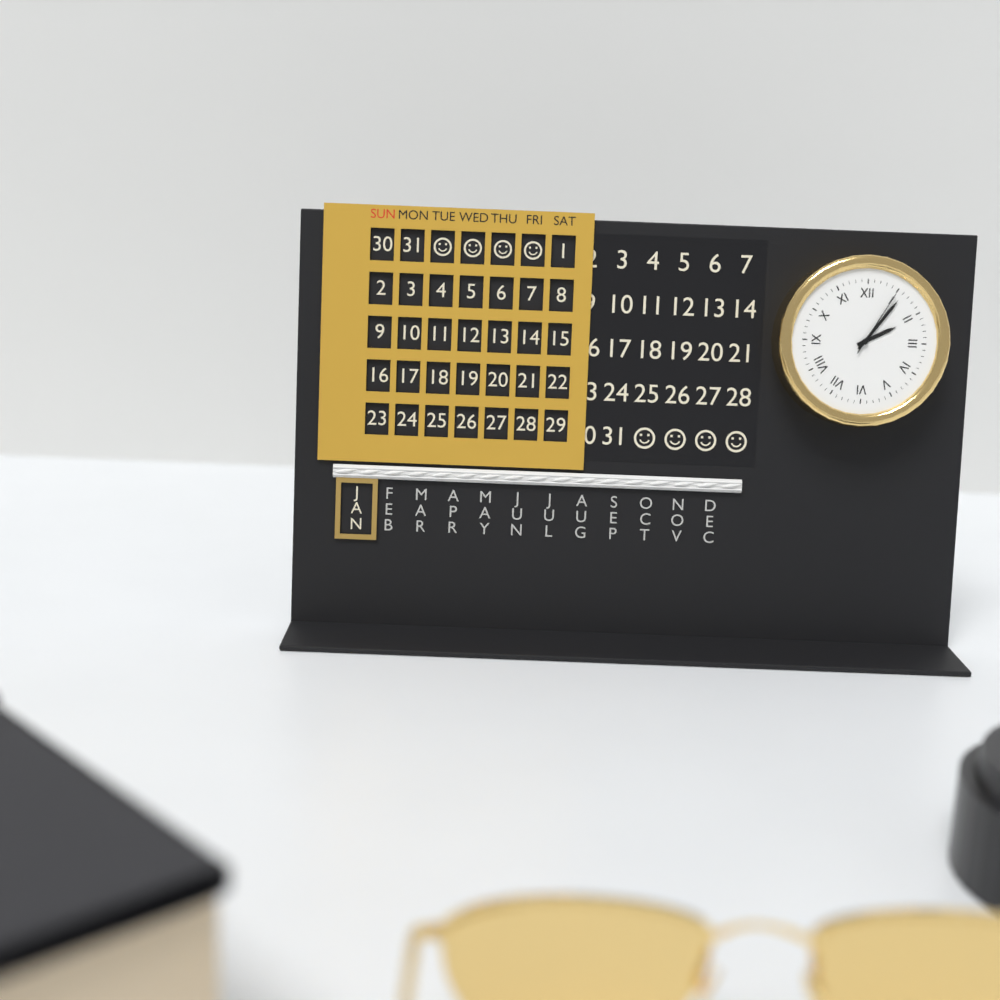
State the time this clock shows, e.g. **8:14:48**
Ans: **2:06:05**
